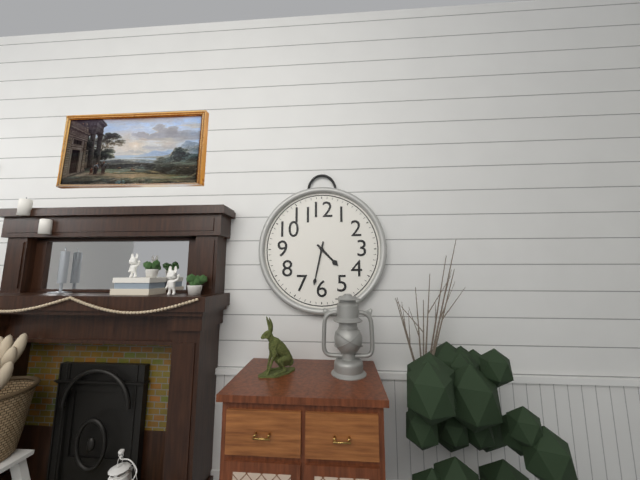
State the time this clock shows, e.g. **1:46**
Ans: **4:32**
